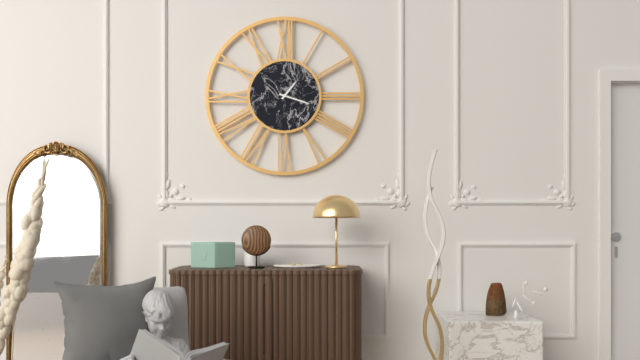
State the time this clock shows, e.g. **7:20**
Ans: **1:18**
